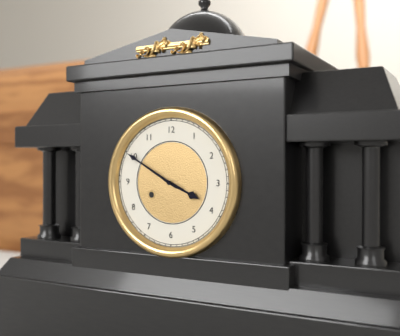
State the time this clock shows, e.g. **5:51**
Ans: **3:50**
